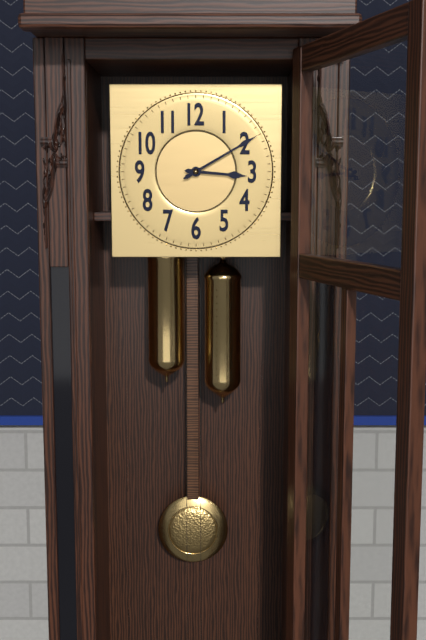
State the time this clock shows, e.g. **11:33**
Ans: **3:10**
